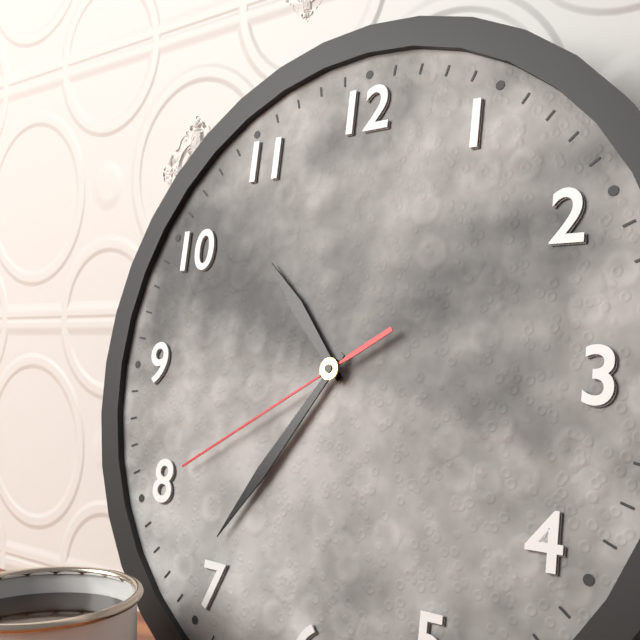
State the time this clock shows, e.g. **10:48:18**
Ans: **10:36:40**
